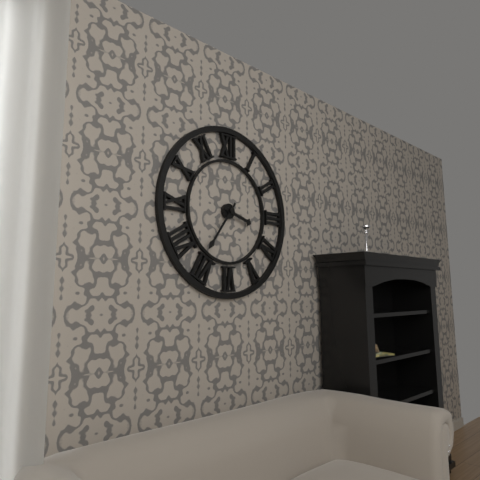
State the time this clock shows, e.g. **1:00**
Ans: **3:36**
